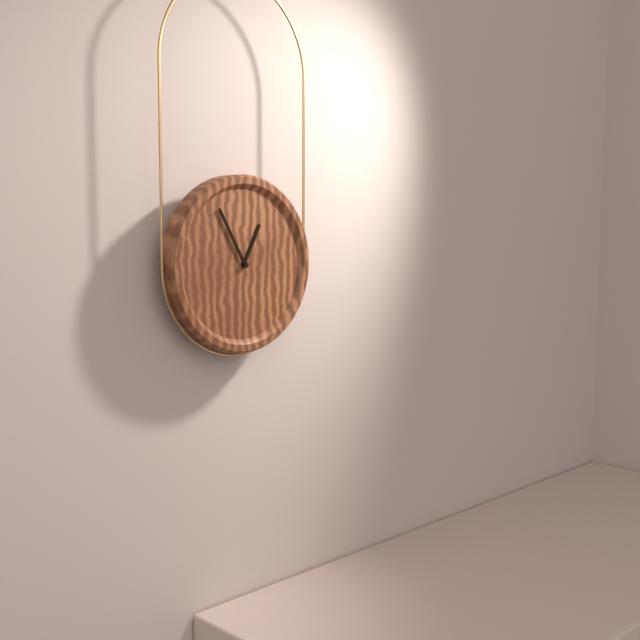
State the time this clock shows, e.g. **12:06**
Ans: **12:55**
